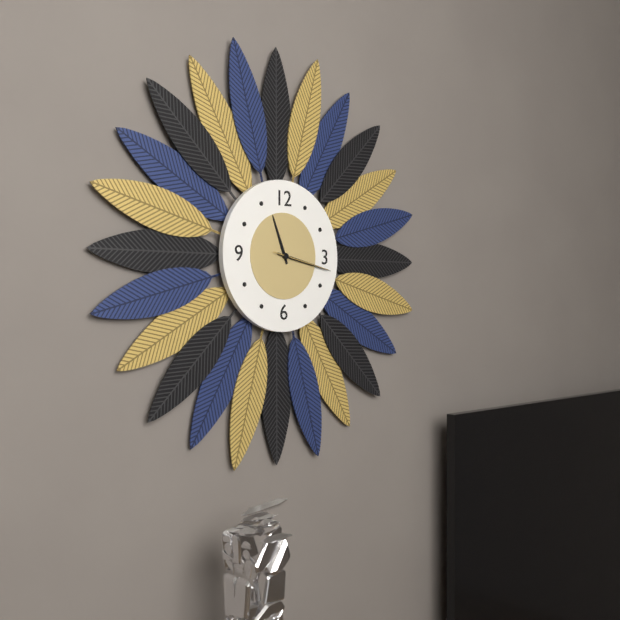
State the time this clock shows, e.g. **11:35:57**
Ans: **11:17:17**
